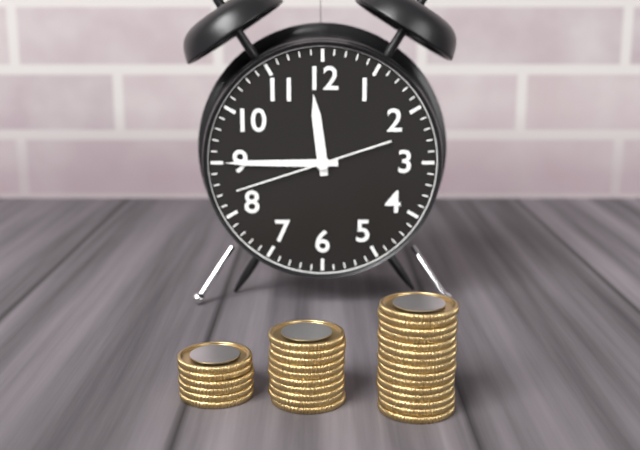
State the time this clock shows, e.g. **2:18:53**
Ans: **11:45:42**
